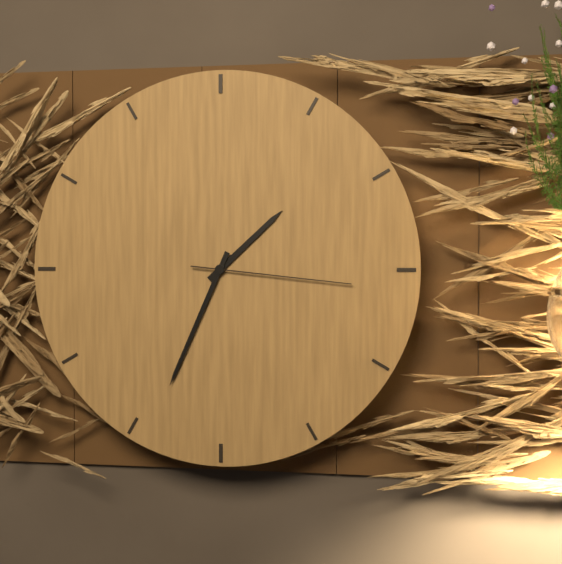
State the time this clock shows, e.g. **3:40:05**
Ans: **1:34:16**
